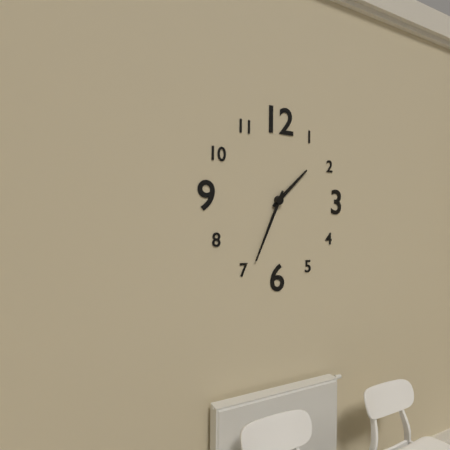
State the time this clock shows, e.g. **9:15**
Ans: **1:34**
